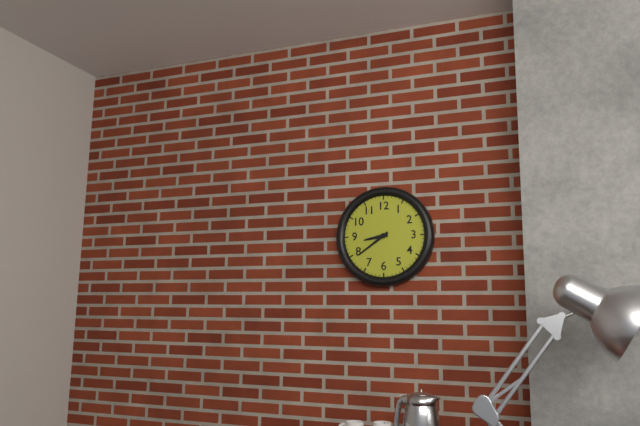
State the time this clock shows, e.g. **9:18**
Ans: **8:39**
